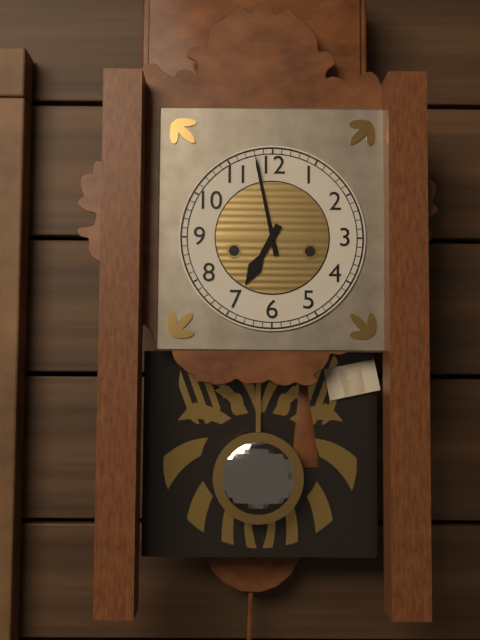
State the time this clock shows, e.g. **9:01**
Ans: **6:58**
